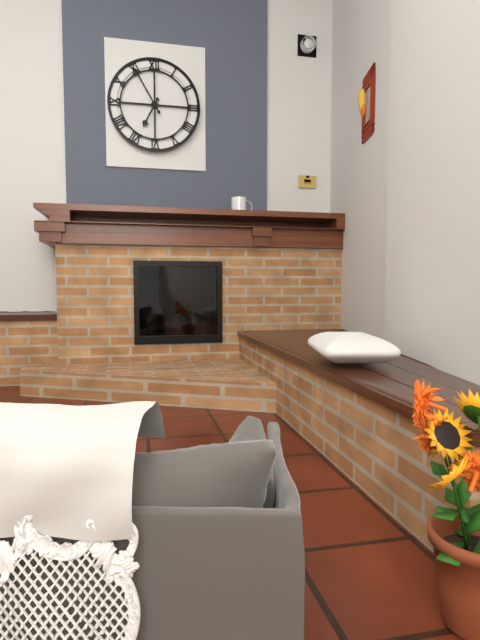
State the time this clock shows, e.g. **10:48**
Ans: **6:55**
